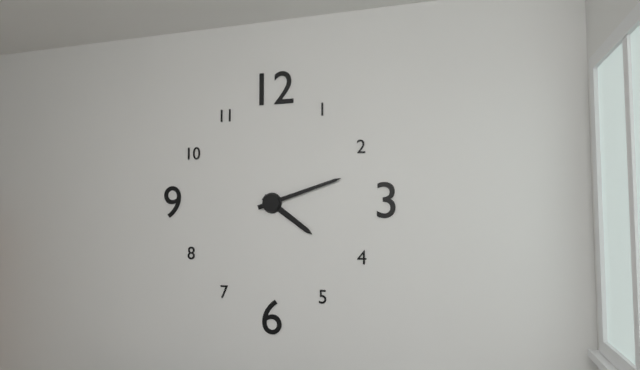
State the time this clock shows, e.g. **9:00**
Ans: **4:12**
